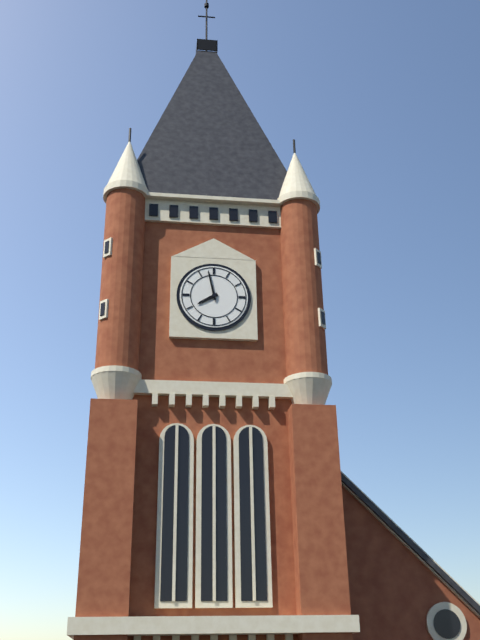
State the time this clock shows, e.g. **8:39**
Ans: **7:58**
